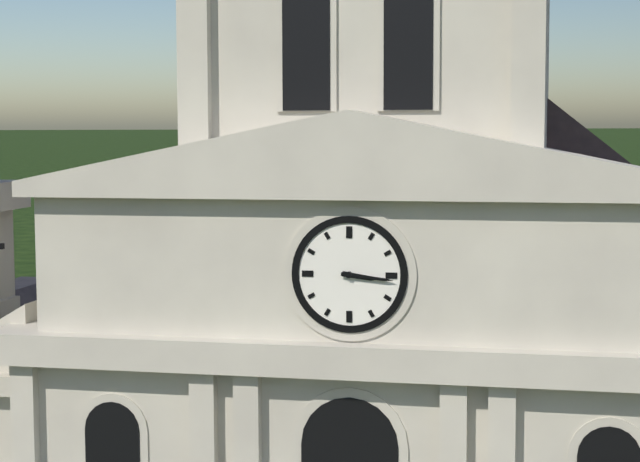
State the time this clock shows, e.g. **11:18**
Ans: **3:16**
